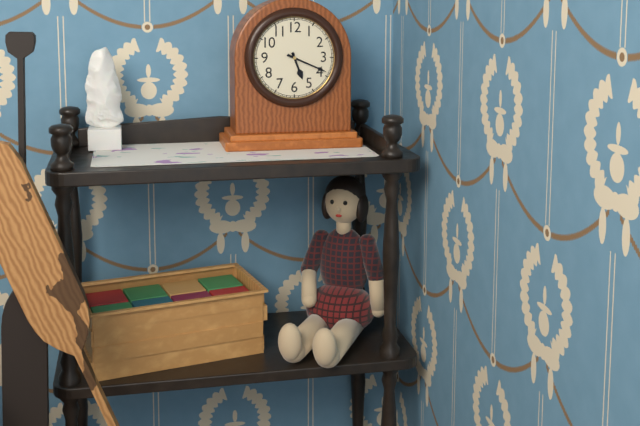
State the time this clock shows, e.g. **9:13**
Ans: **5:19**
